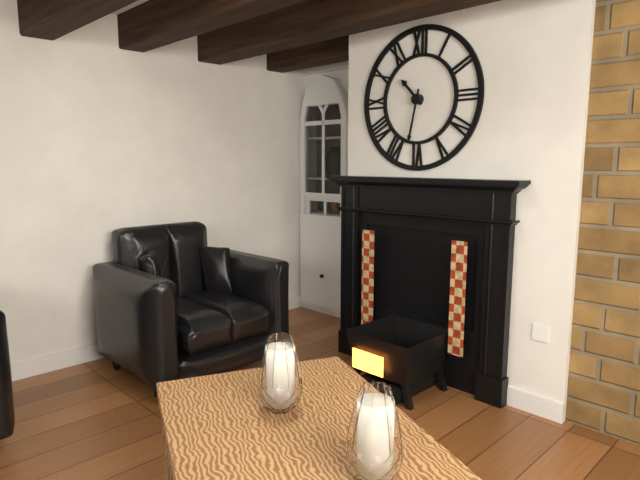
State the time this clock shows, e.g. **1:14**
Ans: **10:32**
